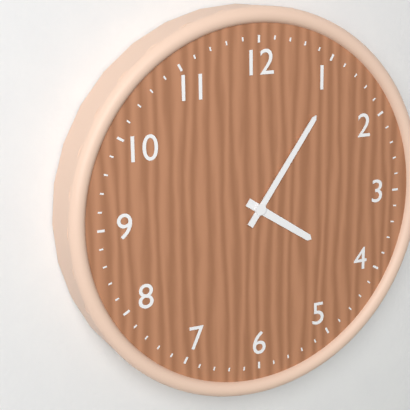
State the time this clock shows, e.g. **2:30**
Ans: **4:06**
